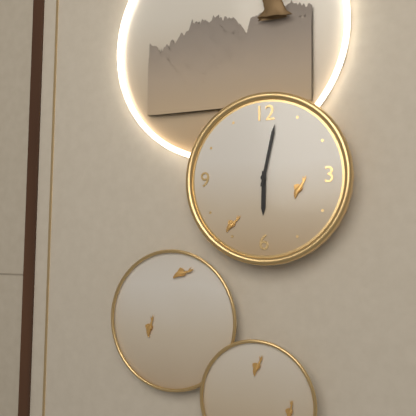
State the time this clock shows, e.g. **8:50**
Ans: **6:02**
